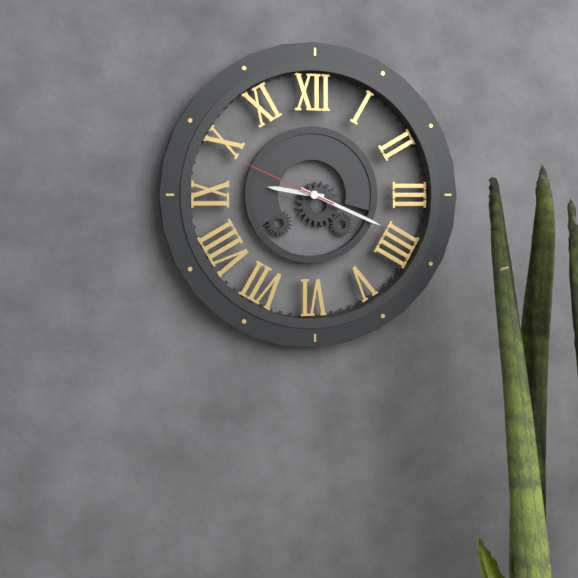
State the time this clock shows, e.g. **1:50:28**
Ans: **9:19:49**
